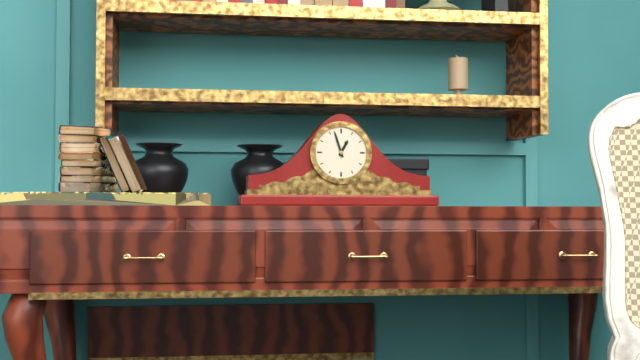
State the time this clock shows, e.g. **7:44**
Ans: **12:57**
